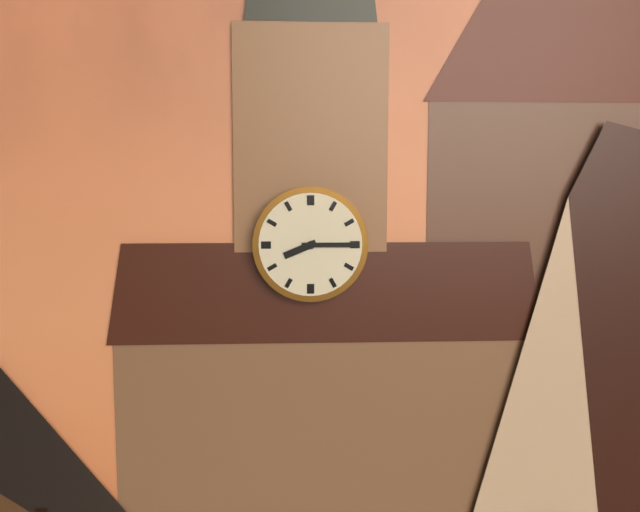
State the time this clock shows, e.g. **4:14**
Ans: **8:15**
